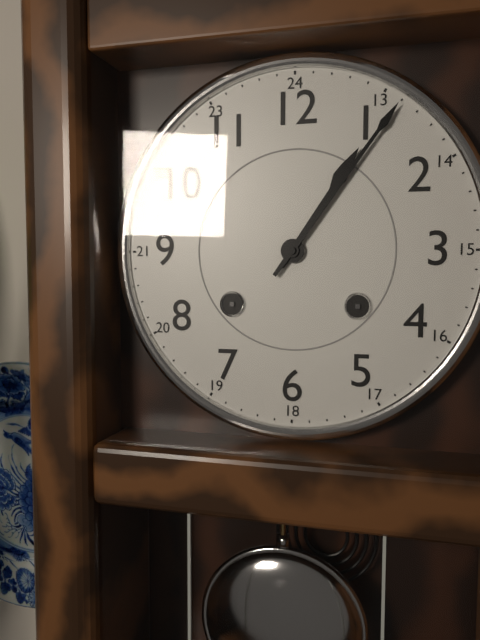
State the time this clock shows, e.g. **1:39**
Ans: **1:06**
